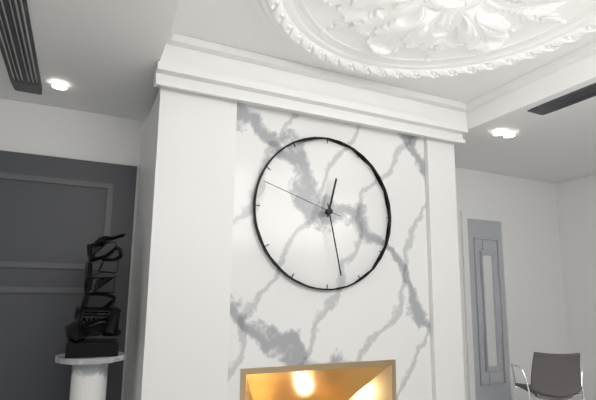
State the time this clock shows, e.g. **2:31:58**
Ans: **12:28:48**
